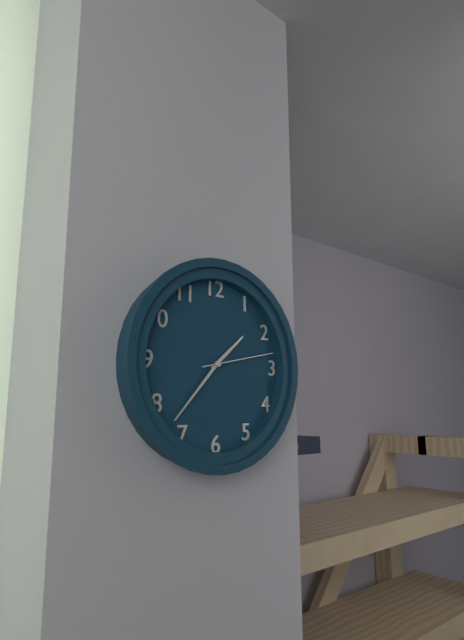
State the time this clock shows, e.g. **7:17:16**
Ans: **1:37:13**
